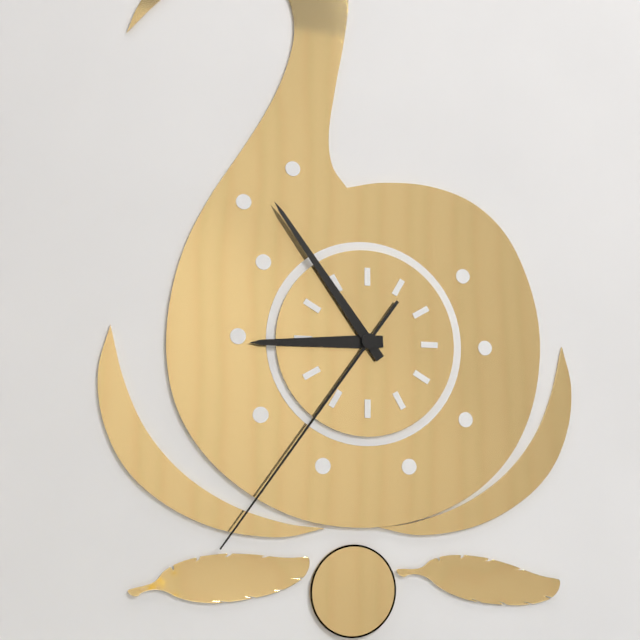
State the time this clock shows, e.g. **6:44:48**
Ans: **8:54:36**
